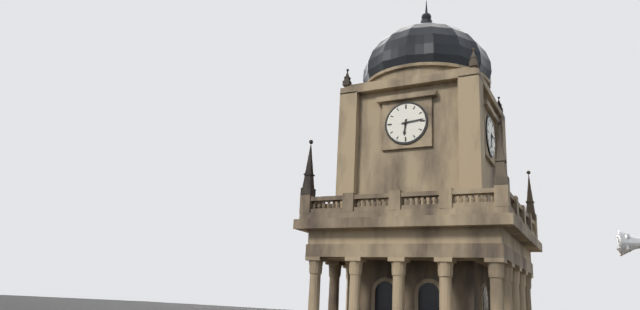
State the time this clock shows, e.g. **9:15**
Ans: **6:14**
